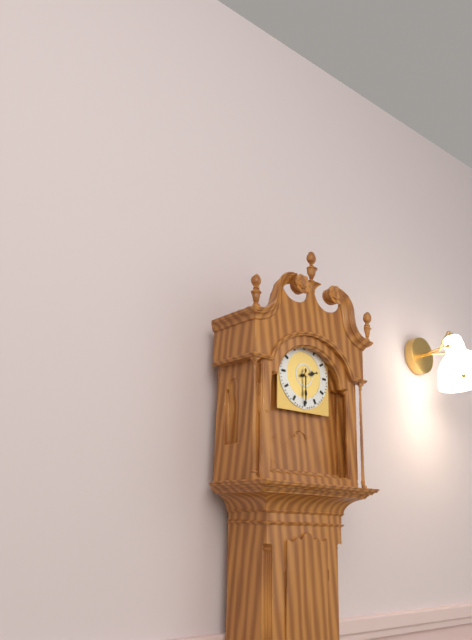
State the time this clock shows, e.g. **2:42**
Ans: **2:30**
